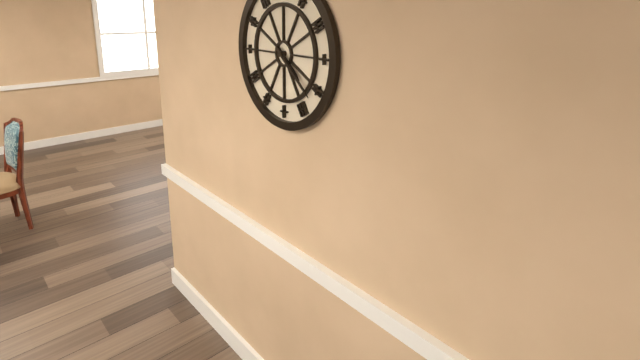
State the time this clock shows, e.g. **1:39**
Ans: **4:22**
